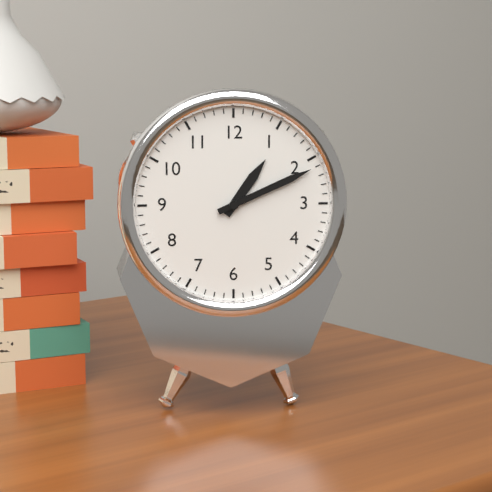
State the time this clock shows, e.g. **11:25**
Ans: **1:11**
